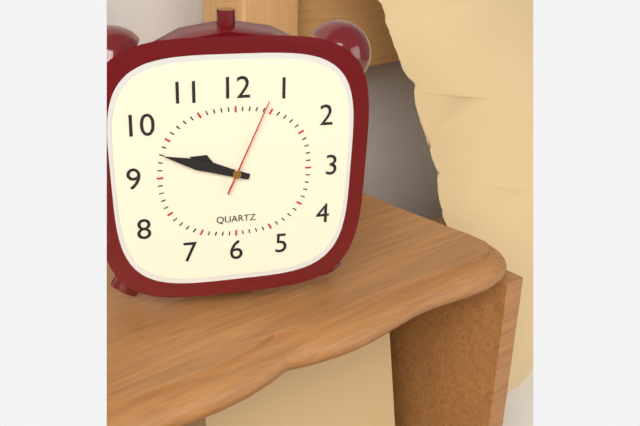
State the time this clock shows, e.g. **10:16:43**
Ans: **9:48:04**
